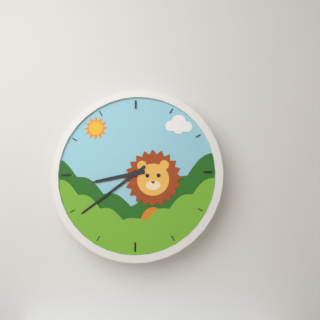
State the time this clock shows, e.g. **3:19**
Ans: **8:39**
